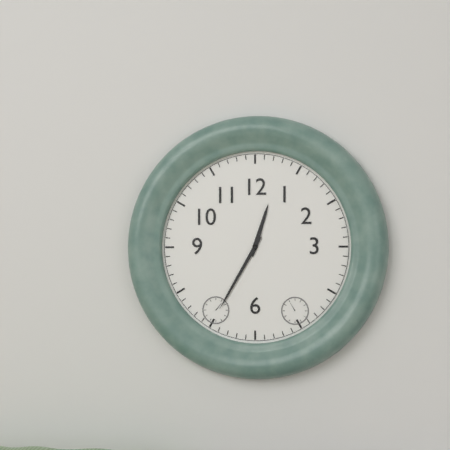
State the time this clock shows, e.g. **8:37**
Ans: **12:35**
